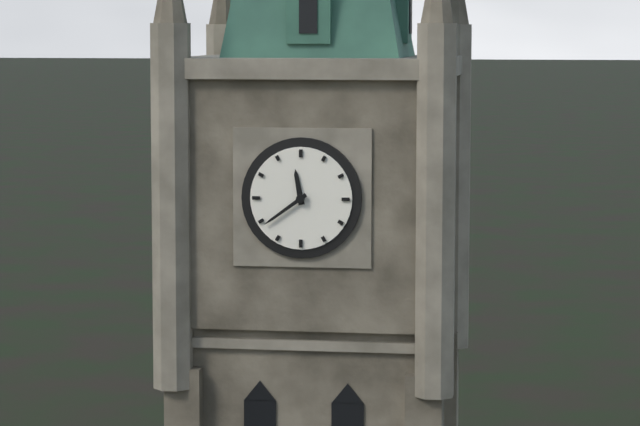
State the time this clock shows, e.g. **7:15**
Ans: **11:39**
